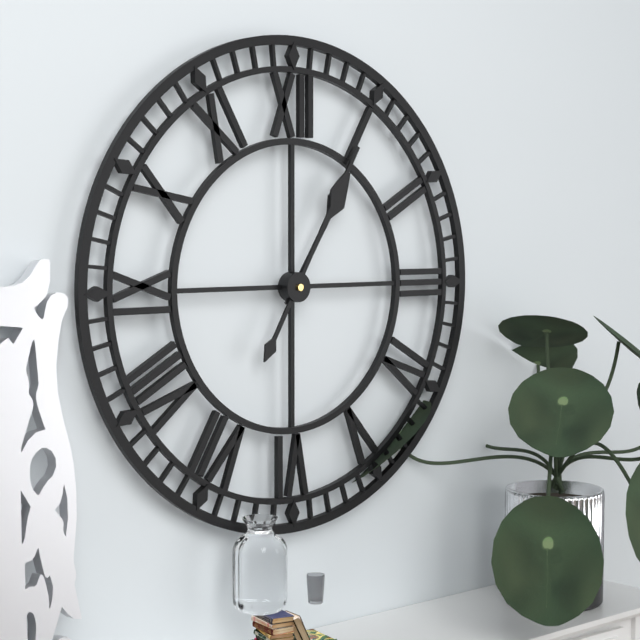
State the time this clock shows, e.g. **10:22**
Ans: **1:05**
